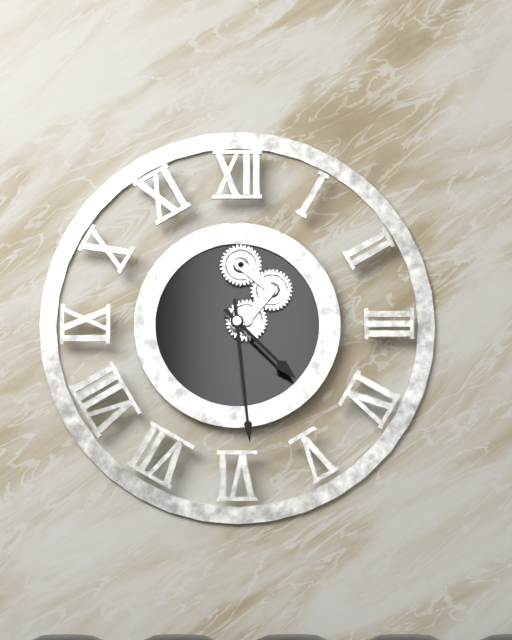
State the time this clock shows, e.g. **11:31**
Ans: **4:29**
